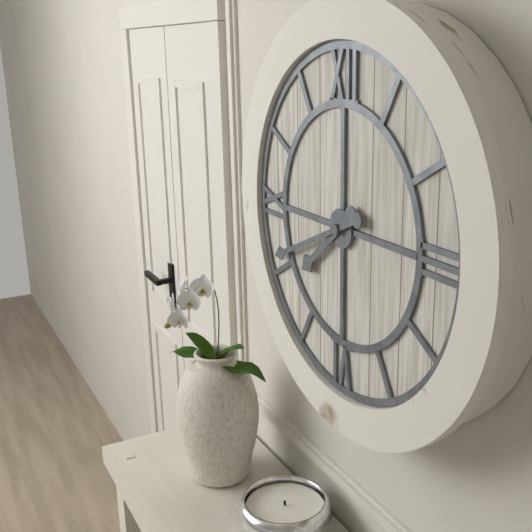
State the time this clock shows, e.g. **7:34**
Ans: **7:41**
